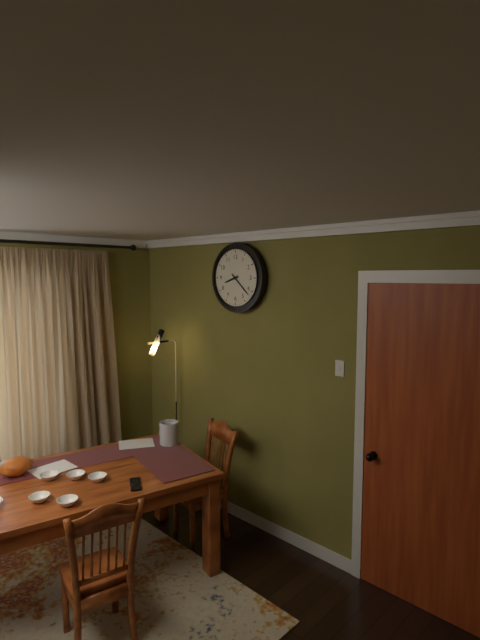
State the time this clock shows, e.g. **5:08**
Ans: **8:22**
